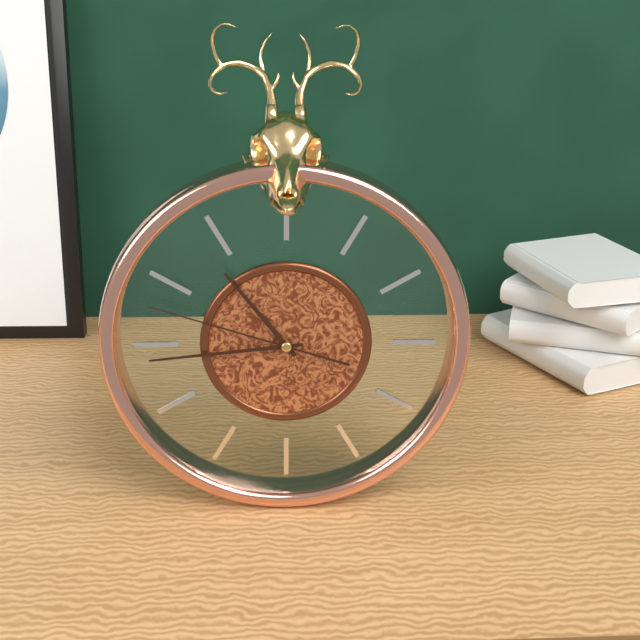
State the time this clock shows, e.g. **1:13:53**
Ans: **10:44:48**
